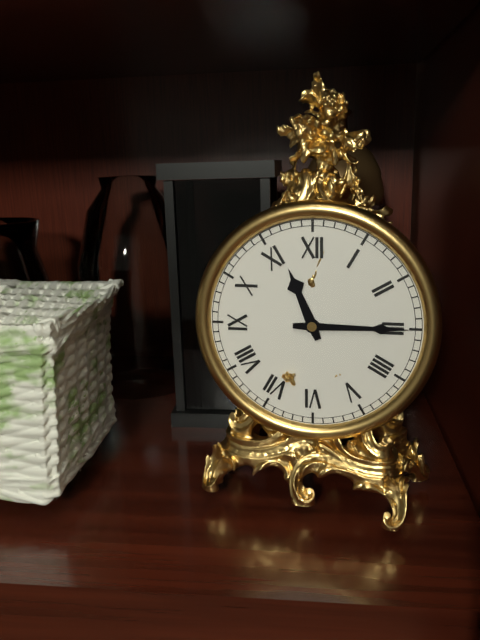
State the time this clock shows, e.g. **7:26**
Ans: **11:15**
